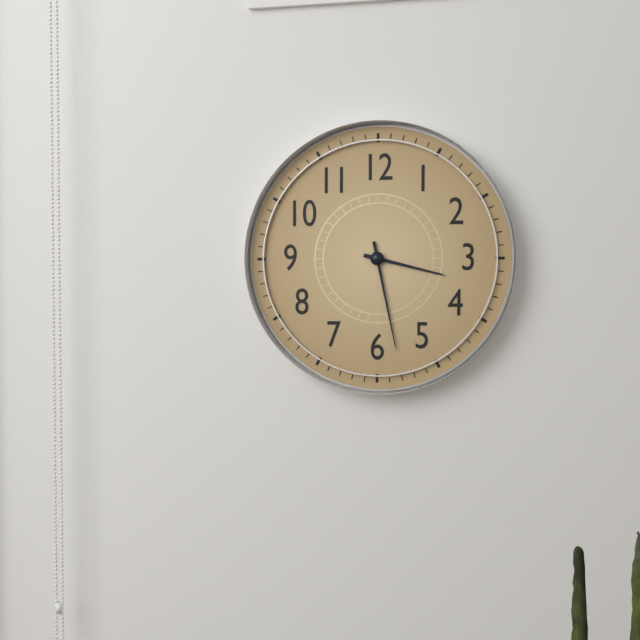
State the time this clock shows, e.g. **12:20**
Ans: **3:28**
